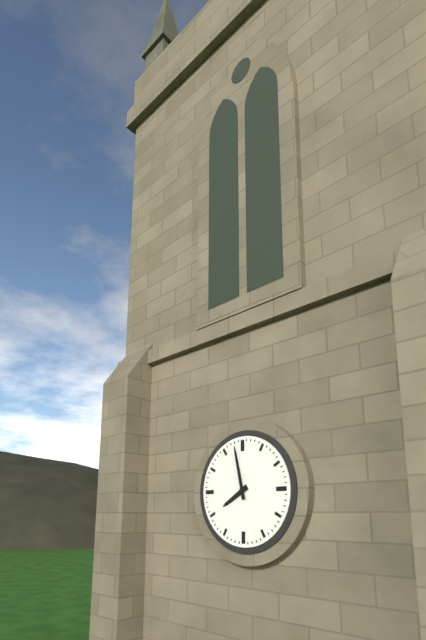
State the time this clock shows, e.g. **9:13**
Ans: **7:58**
